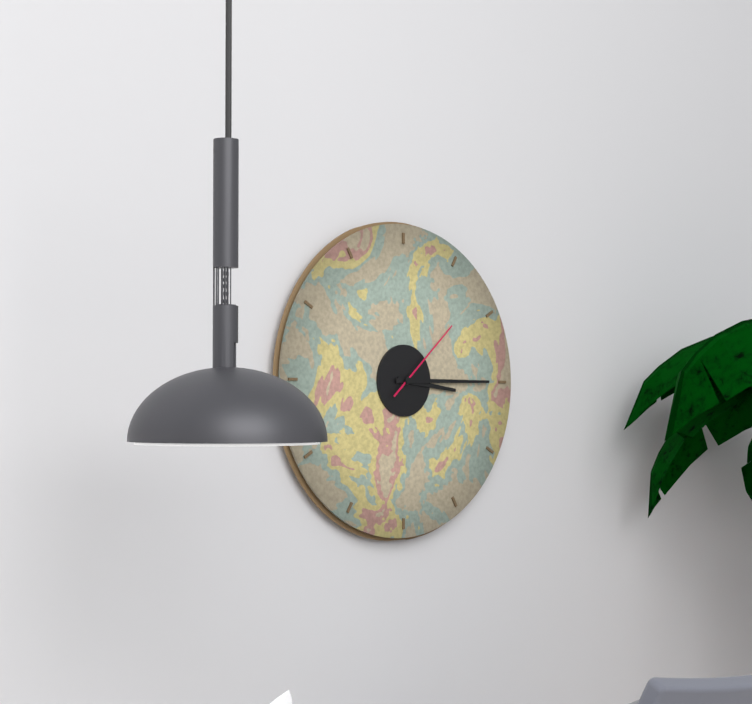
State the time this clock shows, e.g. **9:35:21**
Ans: **3:15:08**
